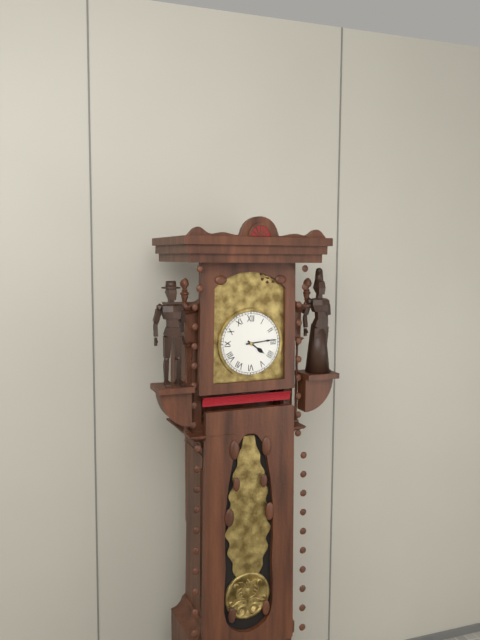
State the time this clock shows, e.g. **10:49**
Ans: **4:14**
